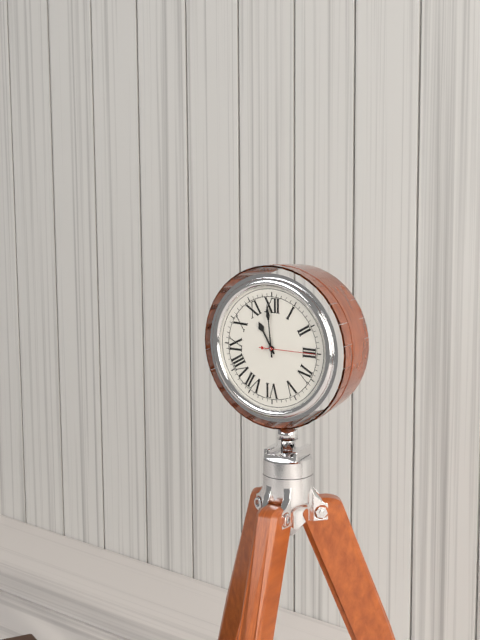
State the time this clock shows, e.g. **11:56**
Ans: **10:59**
